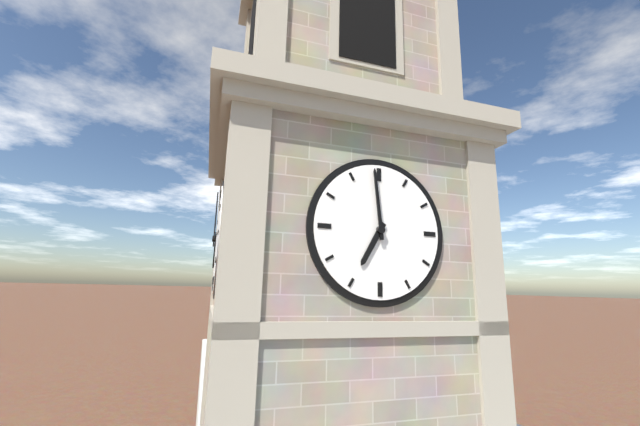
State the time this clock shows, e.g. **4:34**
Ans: **6:59**
